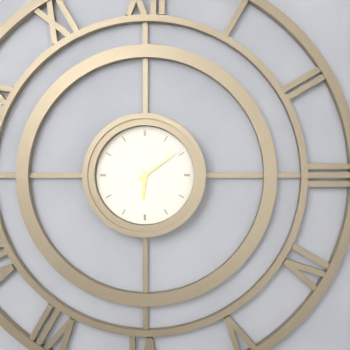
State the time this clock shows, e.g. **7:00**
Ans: **6:09**
